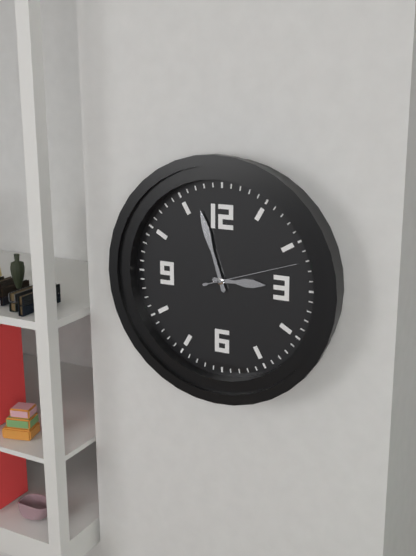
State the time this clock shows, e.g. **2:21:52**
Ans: **2:57:12**
